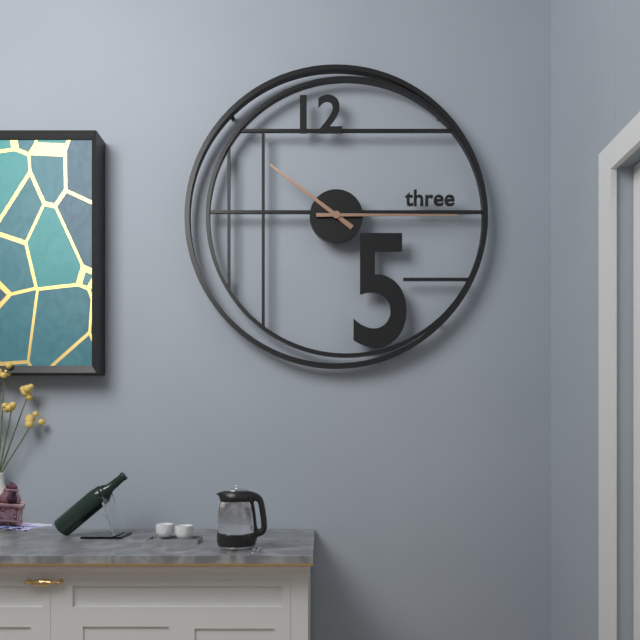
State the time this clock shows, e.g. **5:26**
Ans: **10:15**
